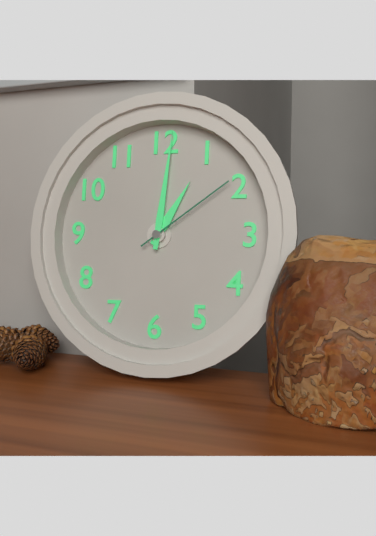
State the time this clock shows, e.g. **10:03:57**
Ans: **1:01:09**
